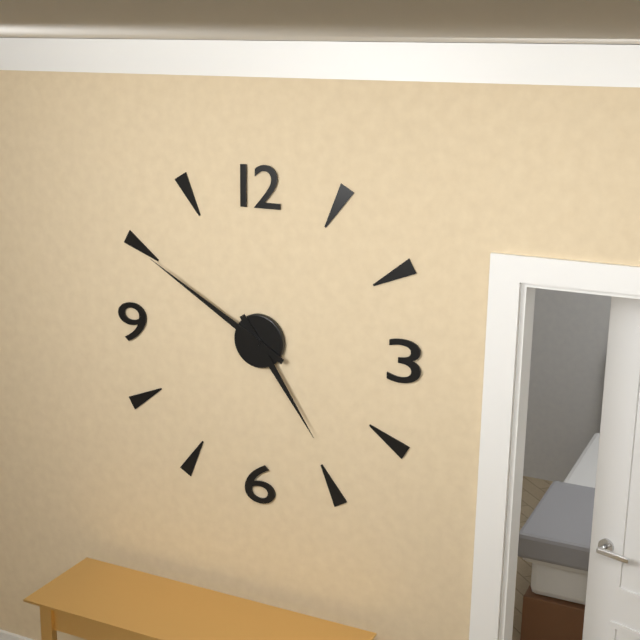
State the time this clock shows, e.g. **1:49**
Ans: **4:50**
